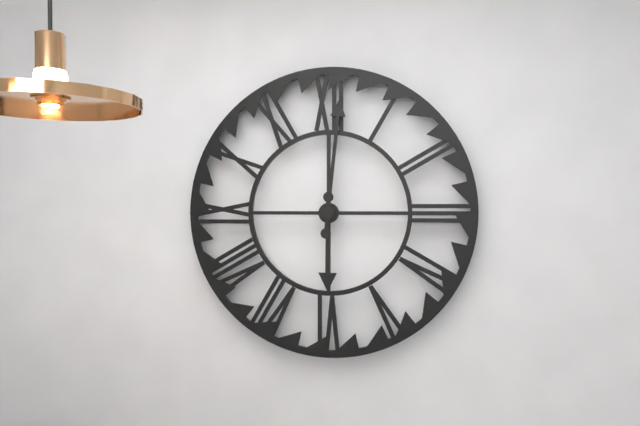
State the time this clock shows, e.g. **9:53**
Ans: **6:01**
